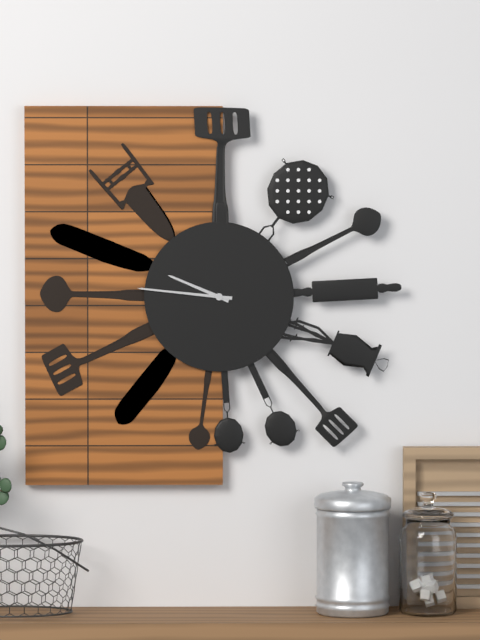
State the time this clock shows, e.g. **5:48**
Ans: **9:46**
